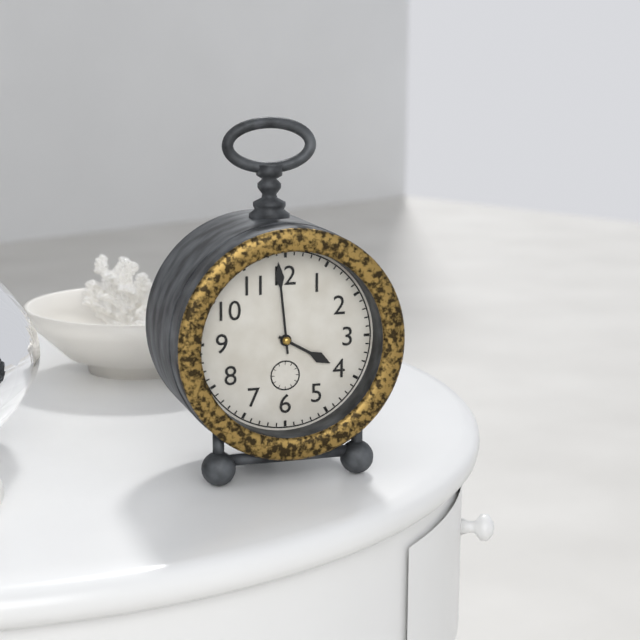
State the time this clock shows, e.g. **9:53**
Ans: **3:59**
